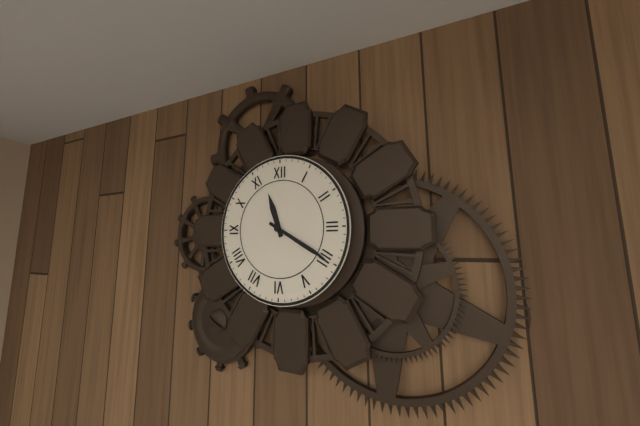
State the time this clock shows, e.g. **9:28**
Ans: **11:20**
